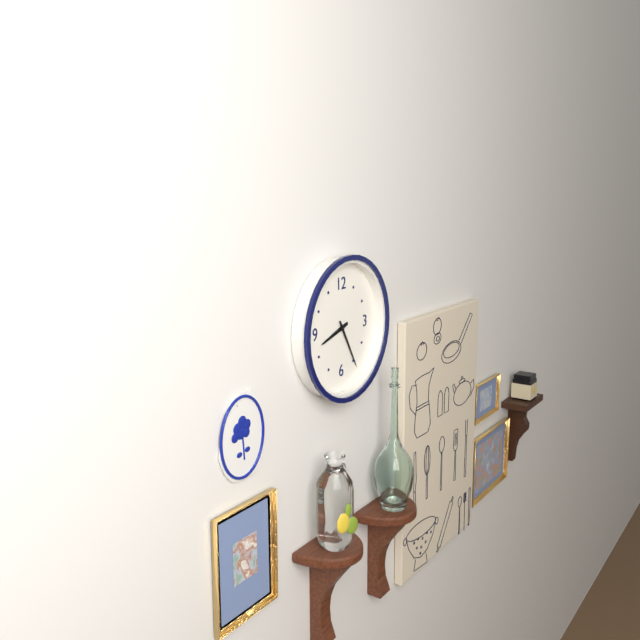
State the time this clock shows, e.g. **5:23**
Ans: **8:25**
